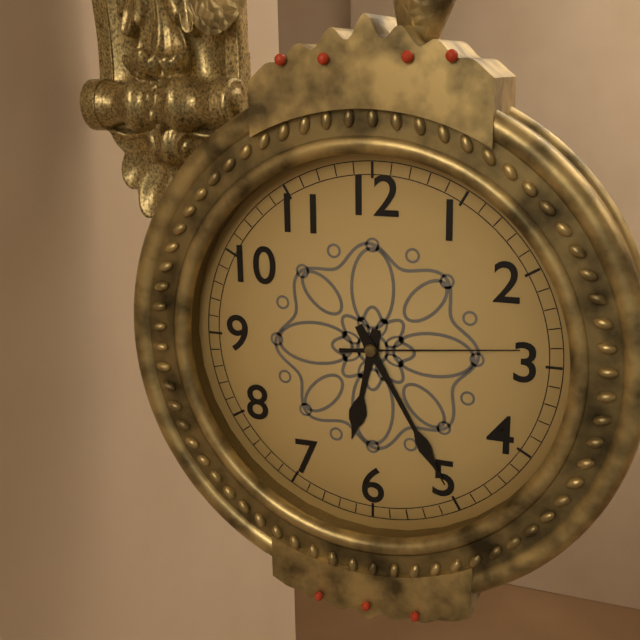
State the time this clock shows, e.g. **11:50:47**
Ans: **6:25:14**
